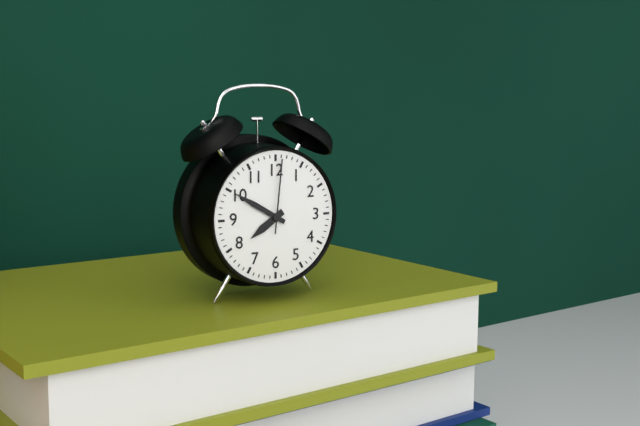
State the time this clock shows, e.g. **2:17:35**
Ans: **7:50:01**
